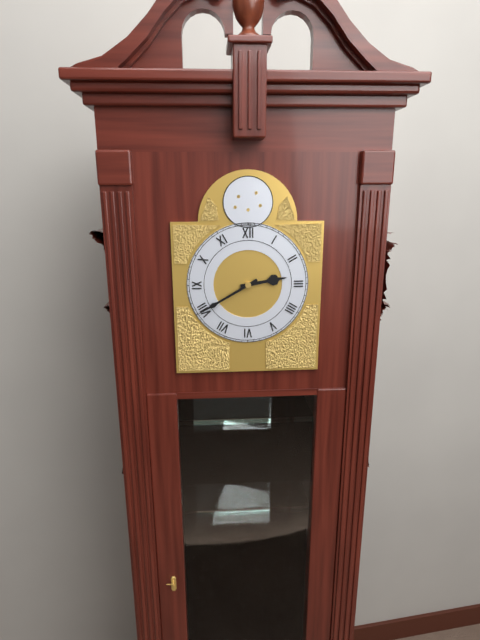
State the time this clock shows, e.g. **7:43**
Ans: **2:40**
